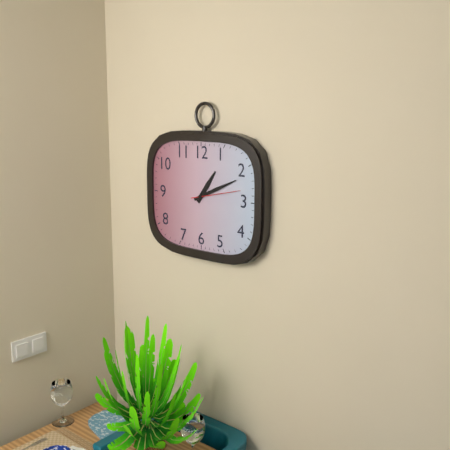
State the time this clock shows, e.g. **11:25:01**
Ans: **1:11:13**
